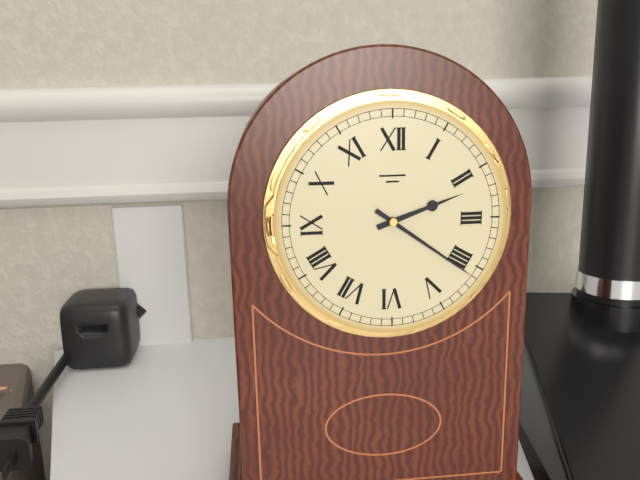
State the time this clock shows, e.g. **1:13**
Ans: **2:21**
